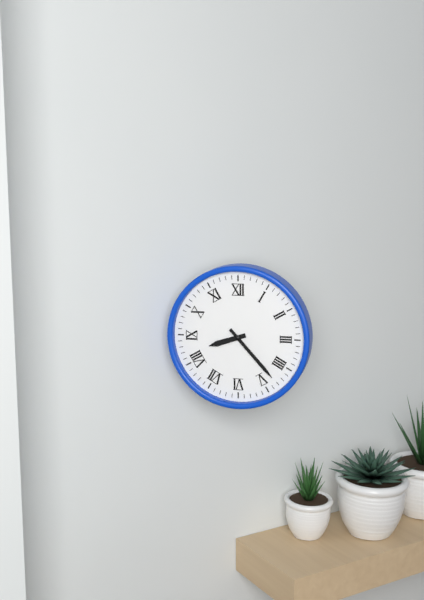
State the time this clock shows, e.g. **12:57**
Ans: **8:23**
